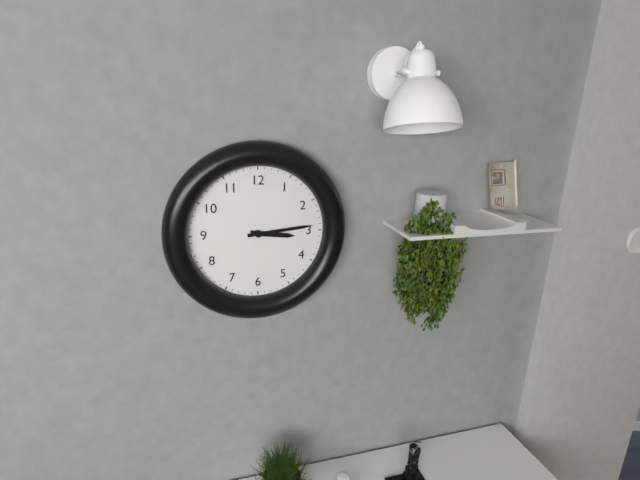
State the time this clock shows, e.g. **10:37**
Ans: **3:14**
